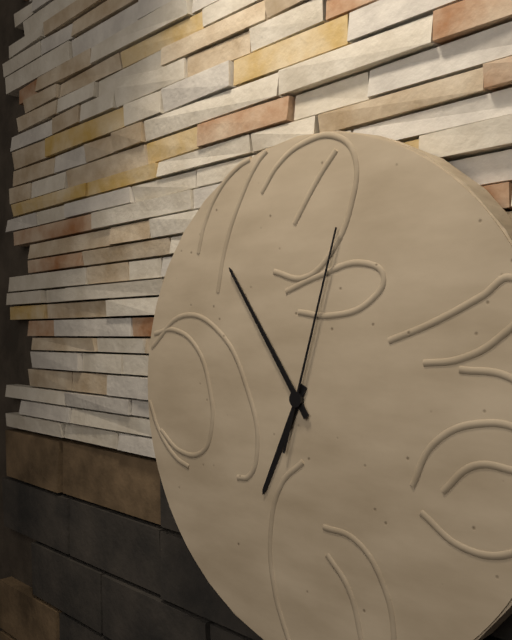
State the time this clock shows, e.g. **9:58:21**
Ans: **6:54:03**
